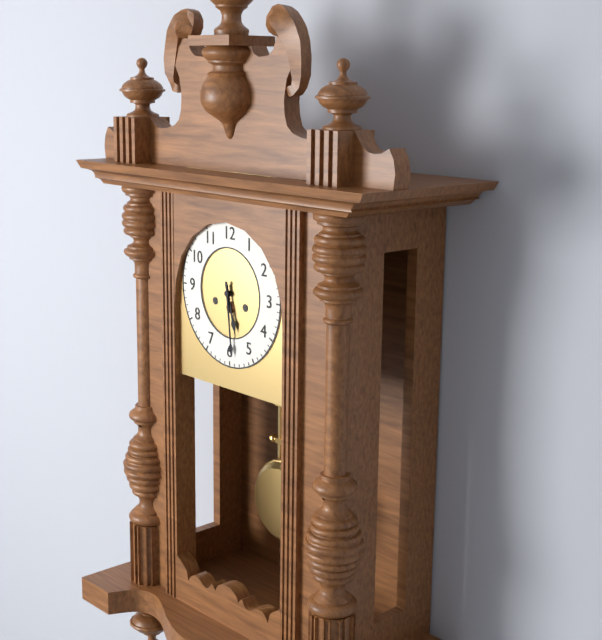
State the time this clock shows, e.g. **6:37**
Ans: **5:29**
